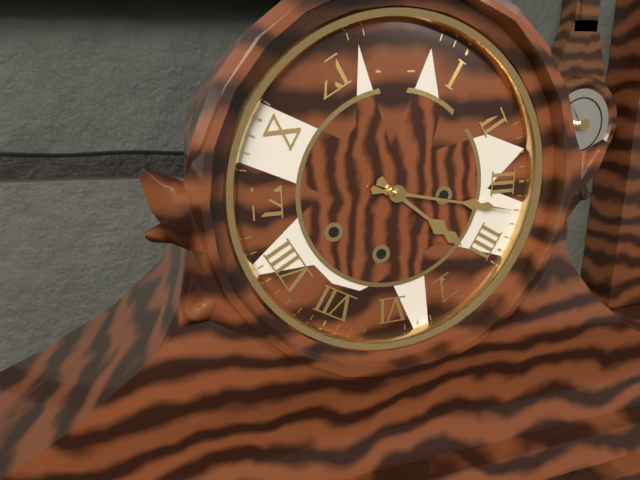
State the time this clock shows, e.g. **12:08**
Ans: **4:17**
